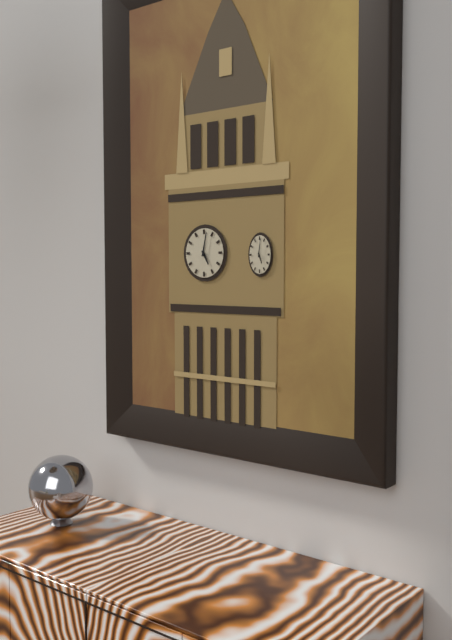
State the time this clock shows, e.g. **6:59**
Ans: **5:02**
